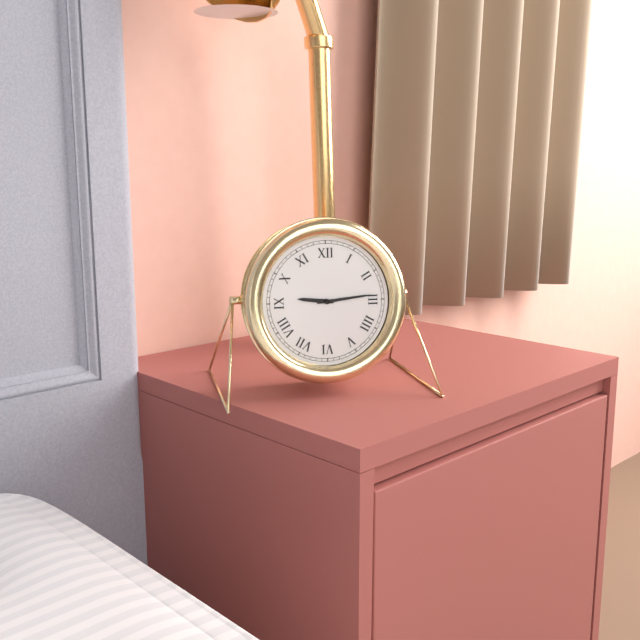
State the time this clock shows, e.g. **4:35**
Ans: **9:14**
